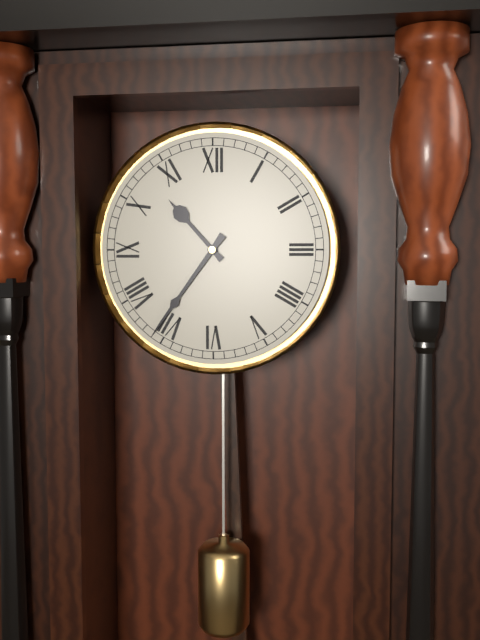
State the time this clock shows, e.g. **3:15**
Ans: **10:36**
